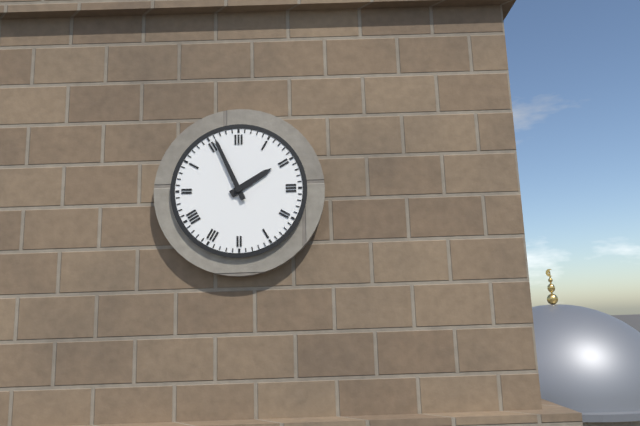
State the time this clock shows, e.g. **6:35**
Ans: **1:56**
